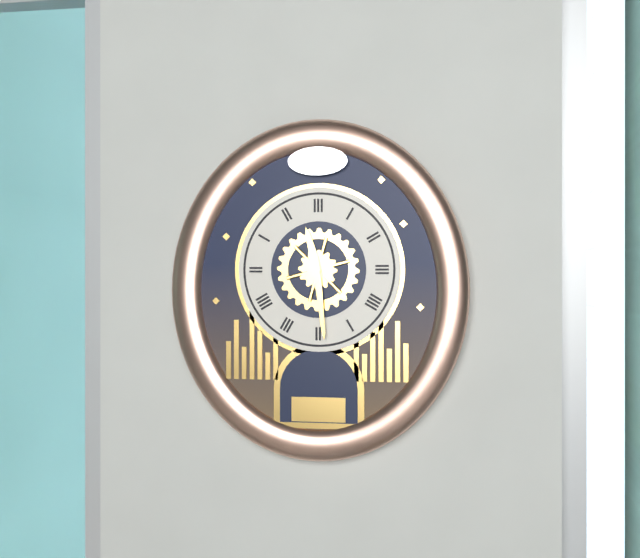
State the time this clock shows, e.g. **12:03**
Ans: **11:29**
